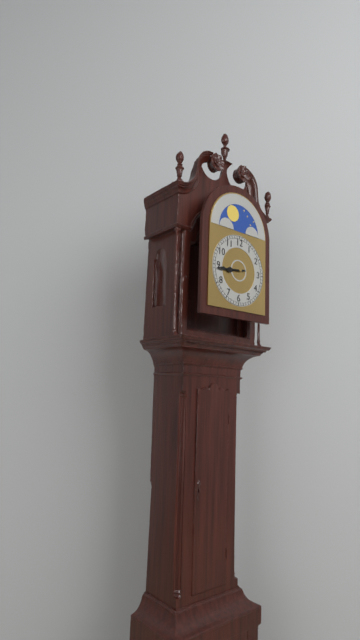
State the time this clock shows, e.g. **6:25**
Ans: **8:44**
